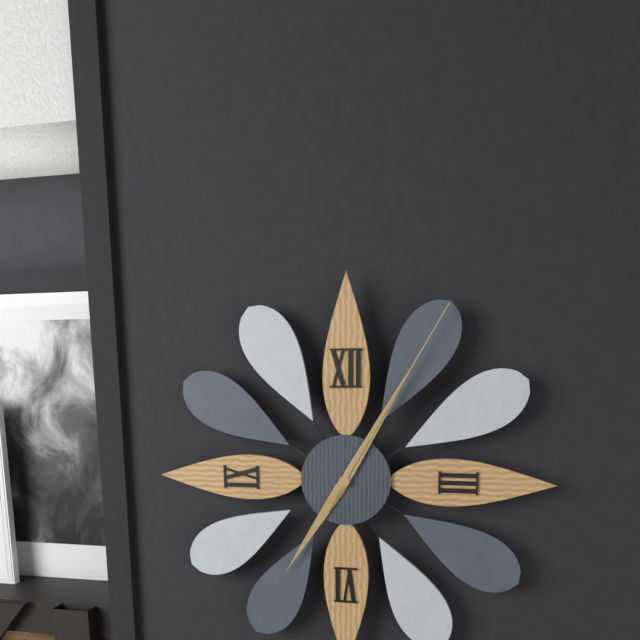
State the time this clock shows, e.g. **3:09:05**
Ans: **7:05:05**
